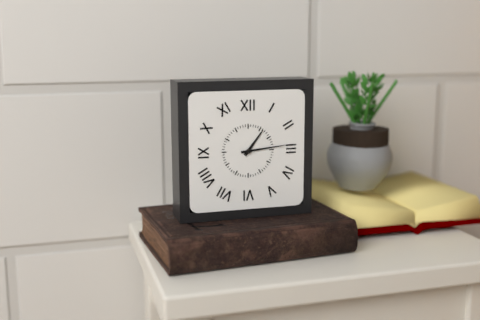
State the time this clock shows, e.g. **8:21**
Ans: **1:14**
